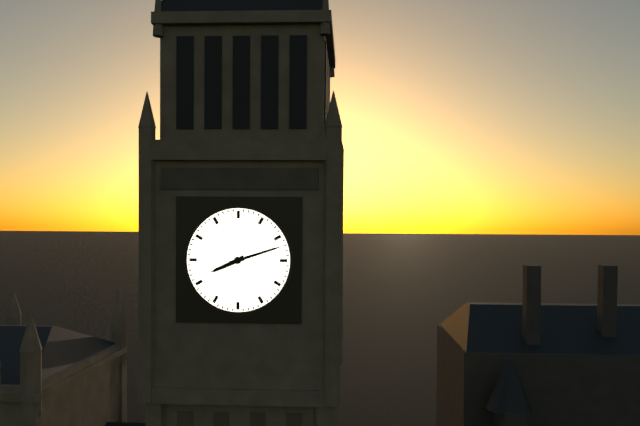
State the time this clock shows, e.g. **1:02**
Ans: **8:12**
